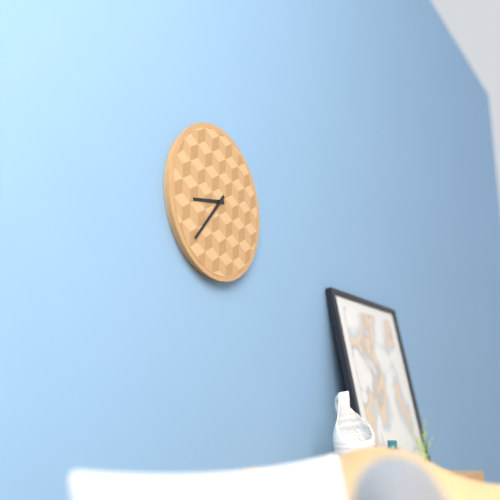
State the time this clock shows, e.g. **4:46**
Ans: **8:37**
